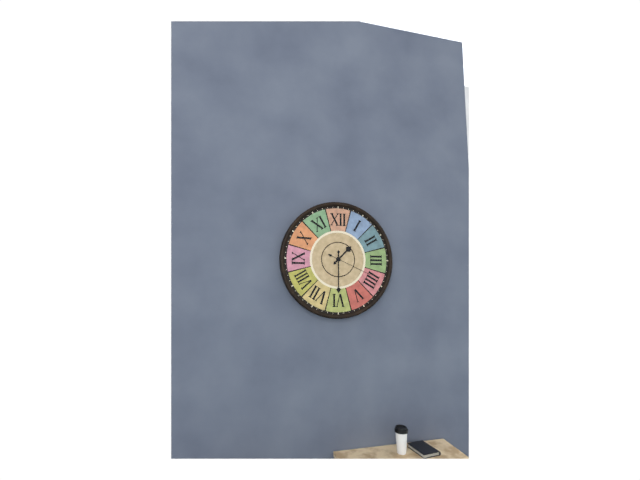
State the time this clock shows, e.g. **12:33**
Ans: **1:30**
